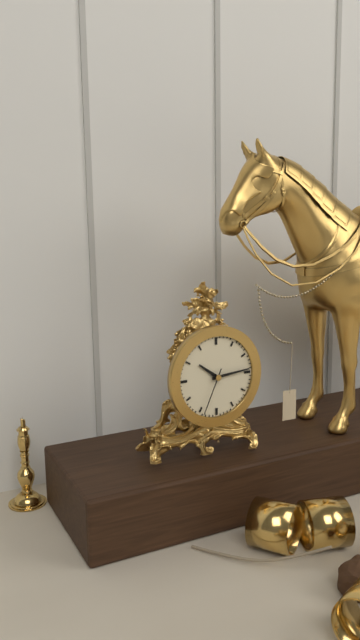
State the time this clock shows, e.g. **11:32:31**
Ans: **10:14:34**
